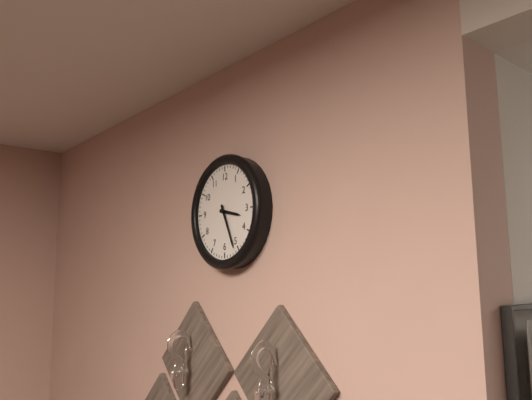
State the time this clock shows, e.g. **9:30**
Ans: **3:26**
